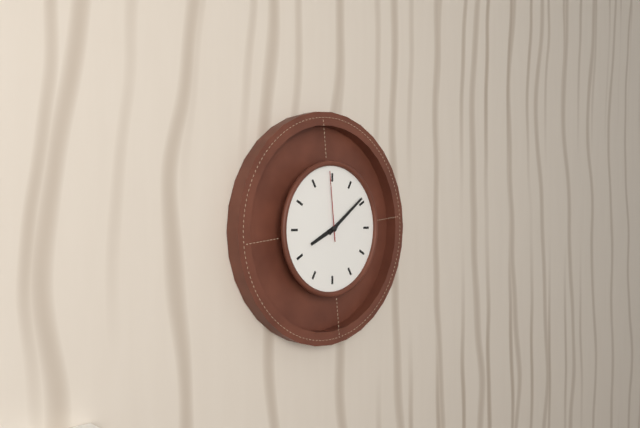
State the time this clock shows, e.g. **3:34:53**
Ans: **8:09:59**
